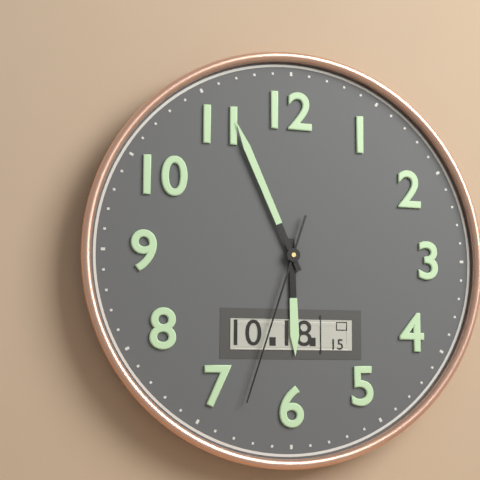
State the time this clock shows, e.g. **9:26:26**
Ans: **5:56:33**
